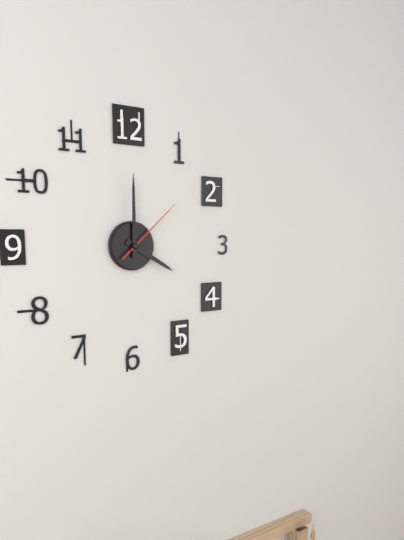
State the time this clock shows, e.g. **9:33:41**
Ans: **4:00:08**
